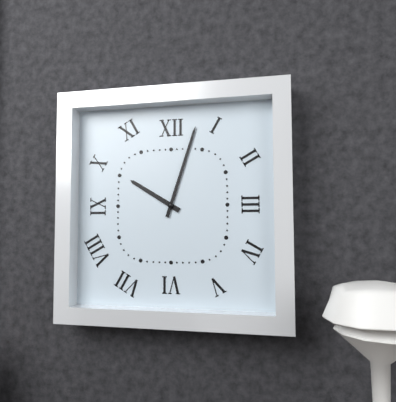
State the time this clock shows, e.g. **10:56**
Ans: **10:03**
